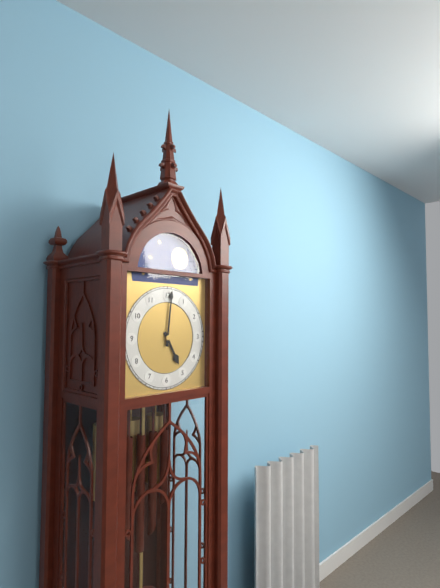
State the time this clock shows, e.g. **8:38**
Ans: **5:01**
